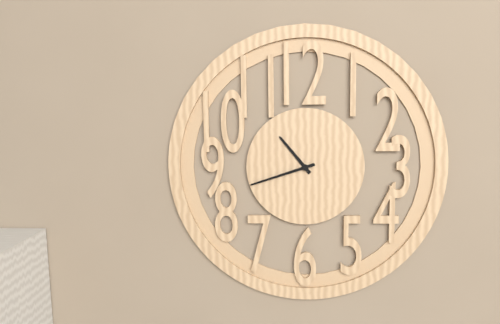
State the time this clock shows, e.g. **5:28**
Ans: **10:42**
